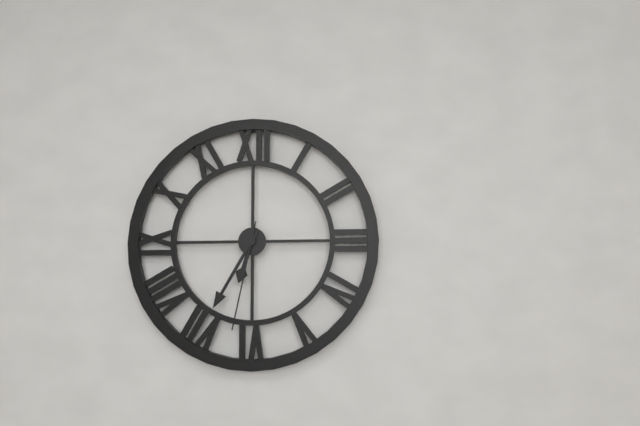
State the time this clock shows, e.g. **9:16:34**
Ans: **6:35:32**
